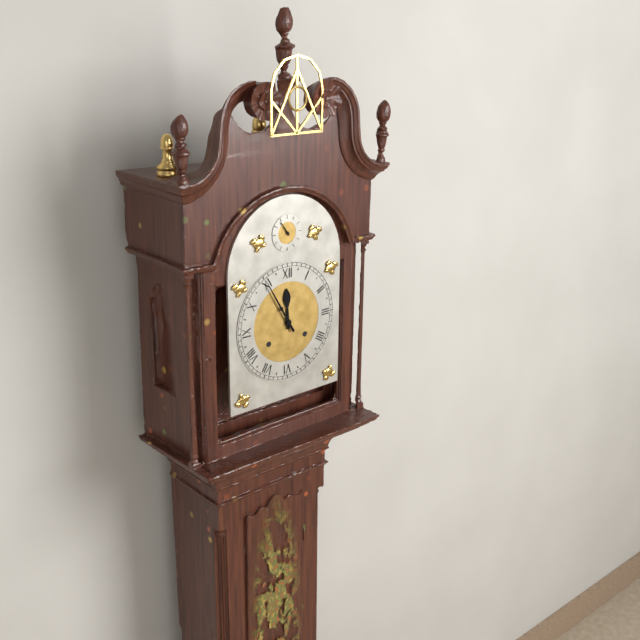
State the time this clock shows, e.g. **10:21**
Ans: **11:55**
